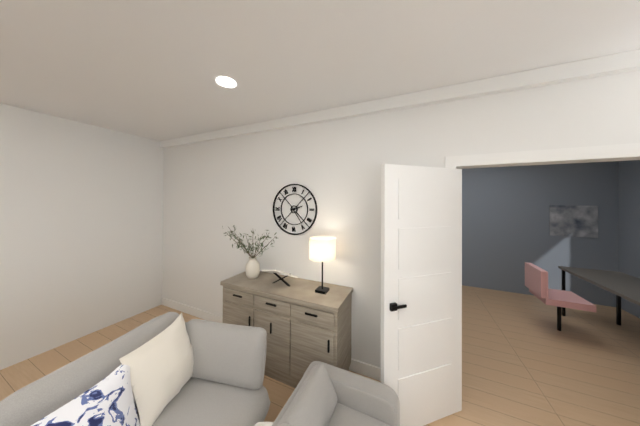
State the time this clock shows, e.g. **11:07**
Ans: **2:24**
